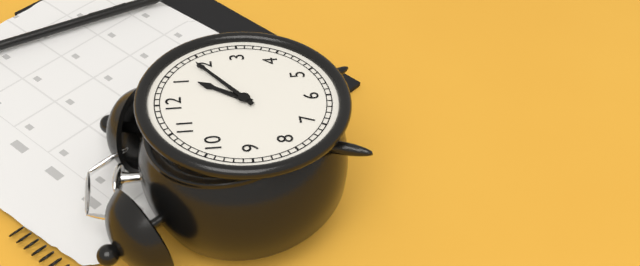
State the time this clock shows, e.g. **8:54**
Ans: **1:09**
